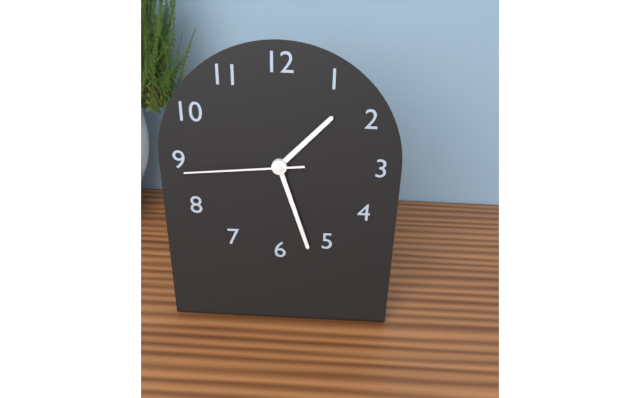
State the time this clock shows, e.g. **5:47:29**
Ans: **1:27:44**
